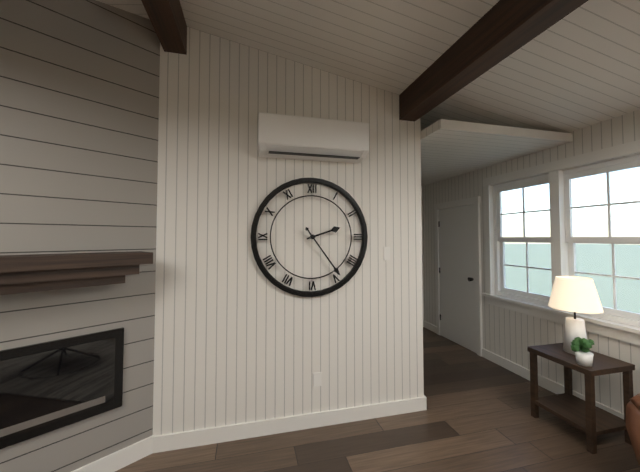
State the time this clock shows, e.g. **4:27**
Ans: **2:24**
